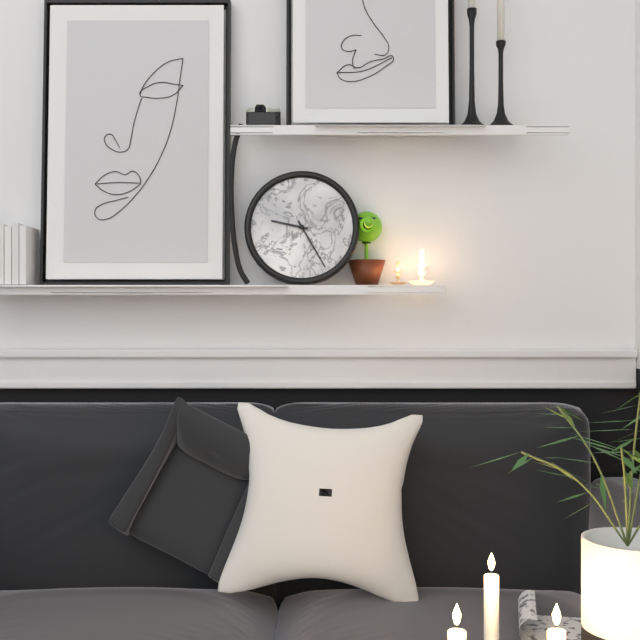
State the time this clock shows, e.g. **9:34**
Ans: **9:25**
